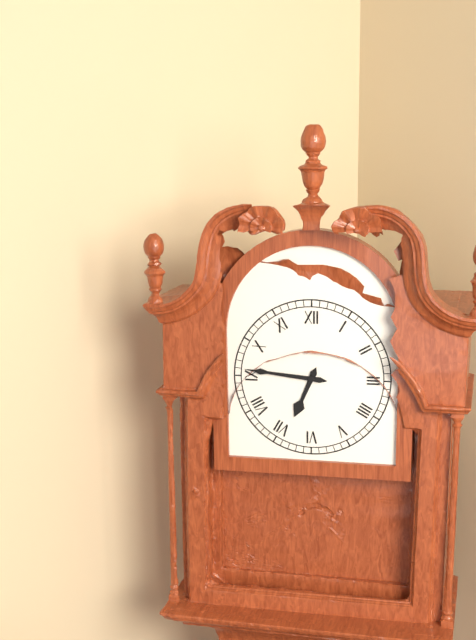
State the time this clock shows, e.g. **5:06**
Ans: **6:46**
